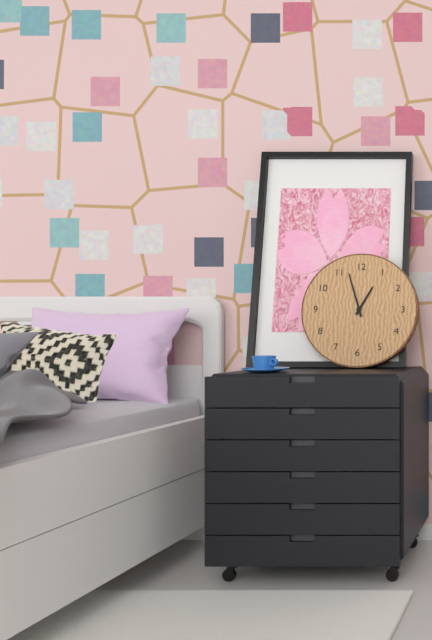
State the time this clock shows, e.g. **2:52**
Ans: **12:57**
